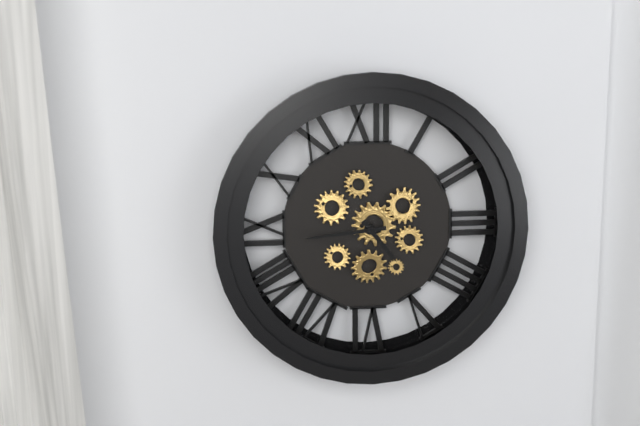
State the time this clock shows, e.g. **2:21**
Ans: **4:44**
